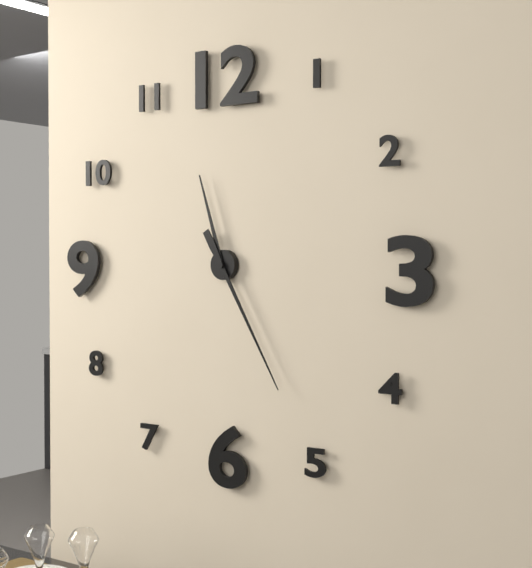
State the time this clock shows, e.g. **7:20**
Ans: **11:25**
